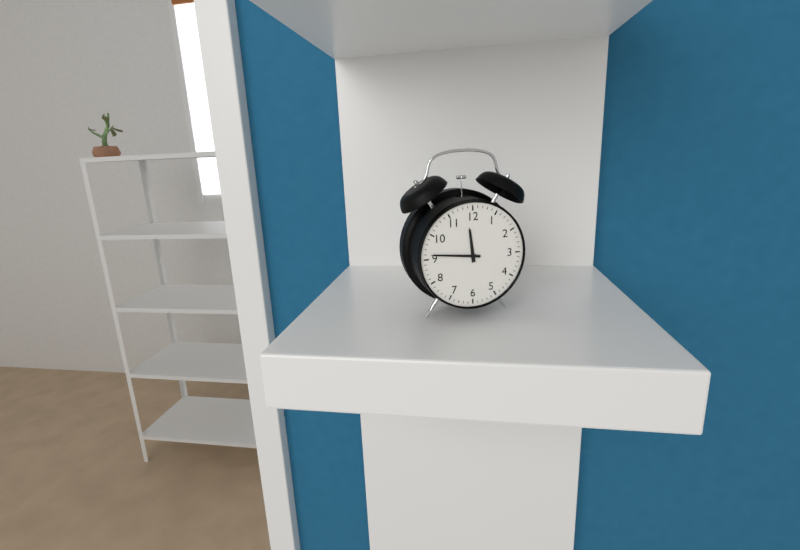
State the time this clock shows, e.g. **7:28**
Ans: **11:46**
